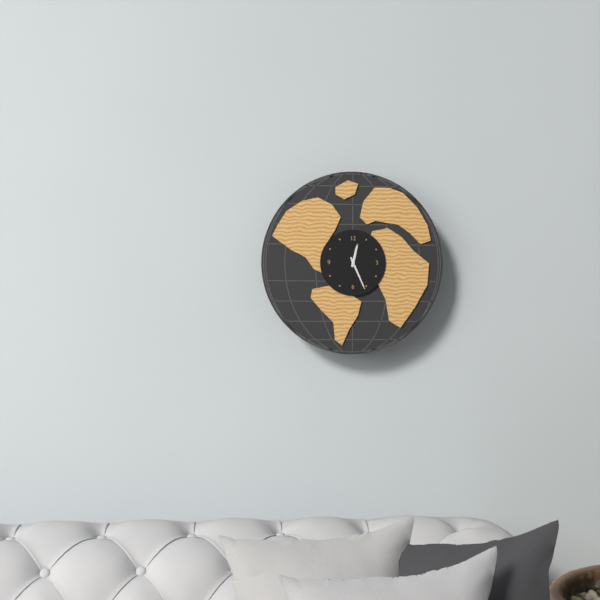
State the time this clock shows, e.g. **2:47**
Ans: **12:26**
